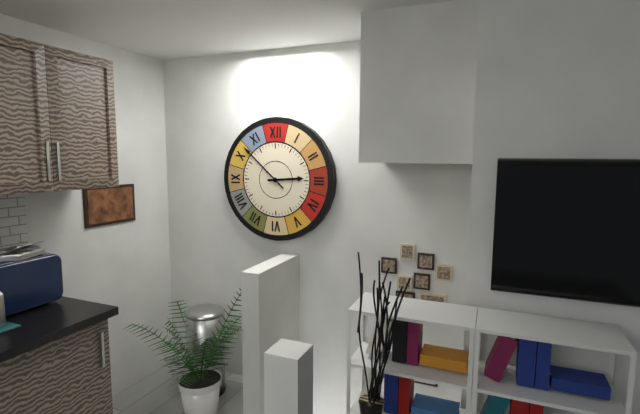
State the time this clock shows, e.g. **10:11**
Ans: **2:52**
